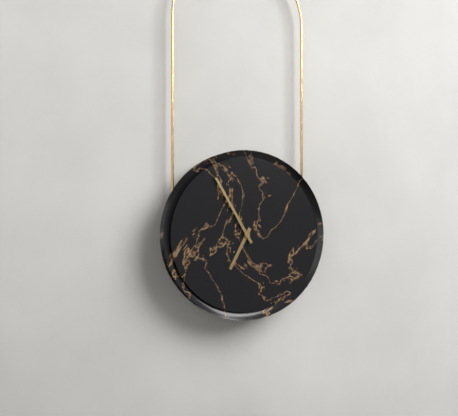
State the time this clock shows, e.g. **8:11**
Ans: **6:55**
